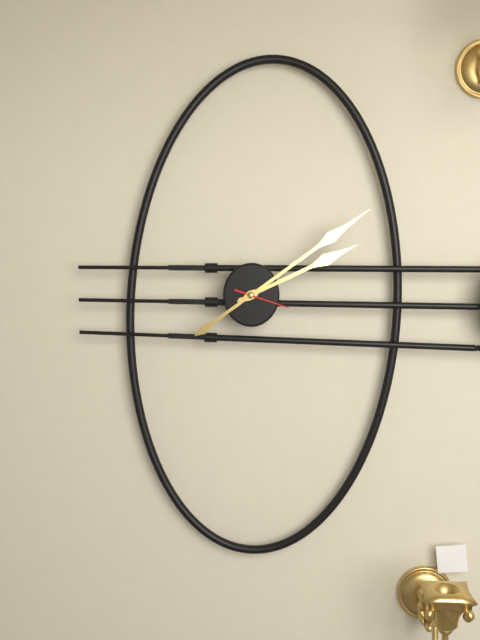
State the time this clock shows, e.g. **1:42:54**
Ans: **2:09:18**
